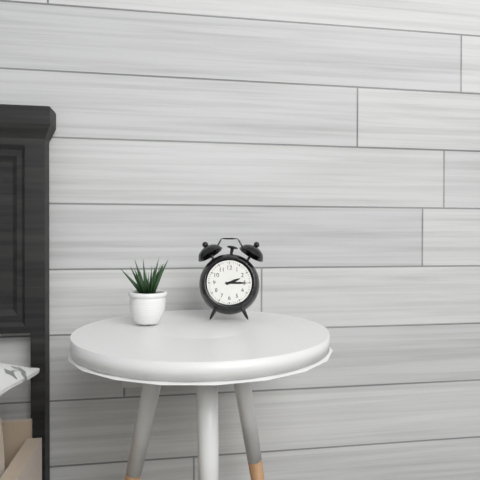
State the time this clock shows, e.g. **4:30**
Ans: **2:15**
